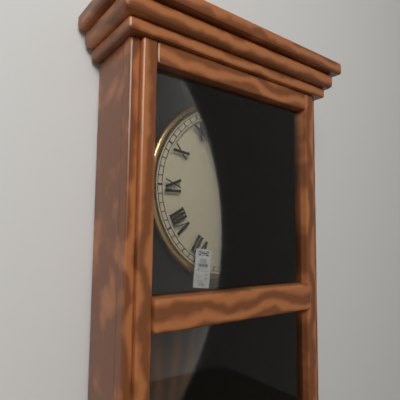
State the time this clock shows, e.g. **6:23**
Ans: **5:55**
